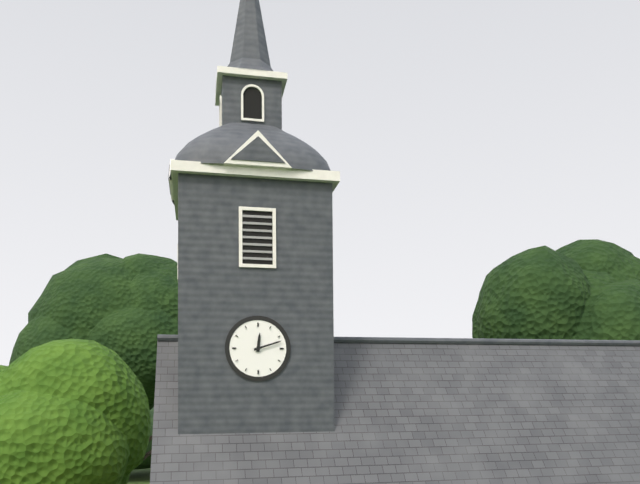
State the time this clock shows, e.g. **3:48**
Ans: **12:12**
